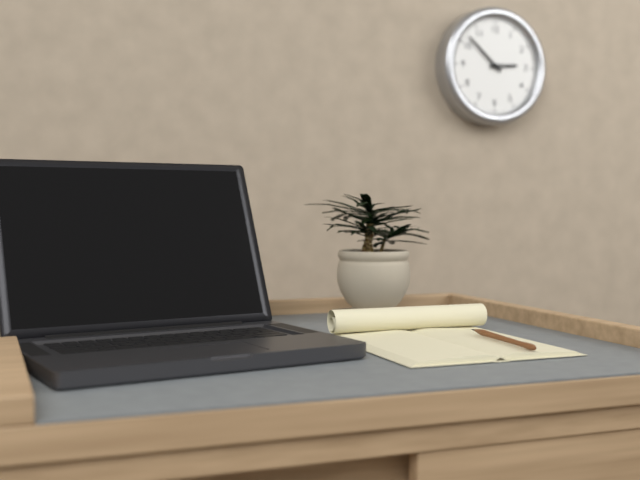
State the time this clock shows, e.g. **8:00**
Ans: **2:52**
